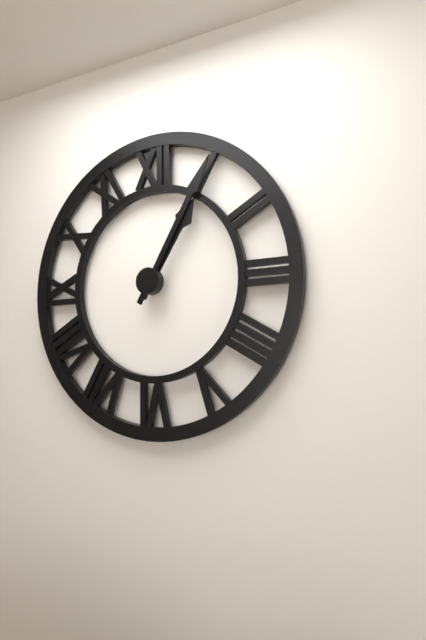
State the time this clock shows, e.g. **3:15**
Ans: **1:05**
